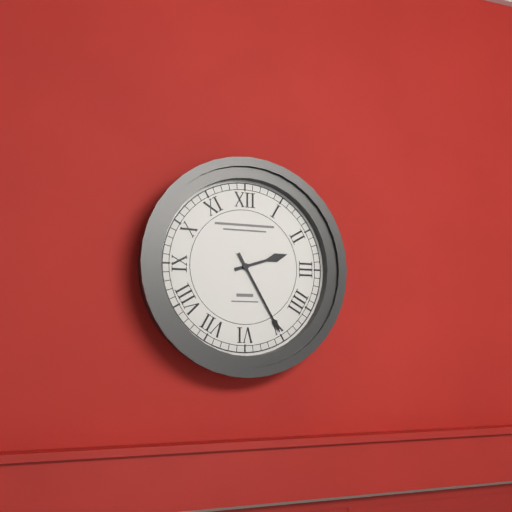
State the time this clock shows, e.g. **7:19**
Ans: **2:25**
